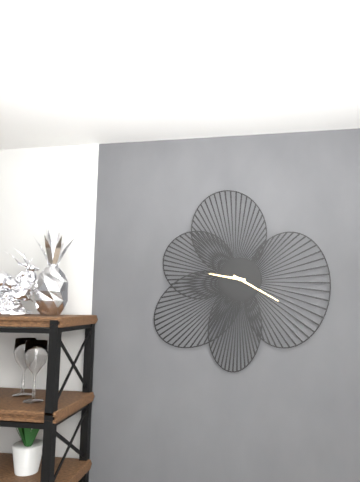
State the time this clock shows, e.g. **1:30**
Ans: **9:20**
